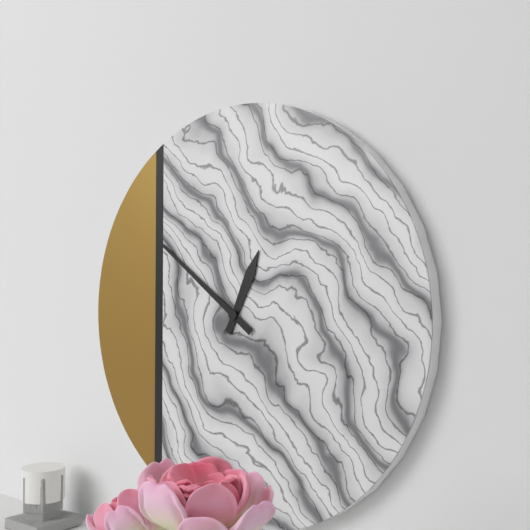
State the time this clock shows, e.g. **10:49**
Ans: **12:51**
